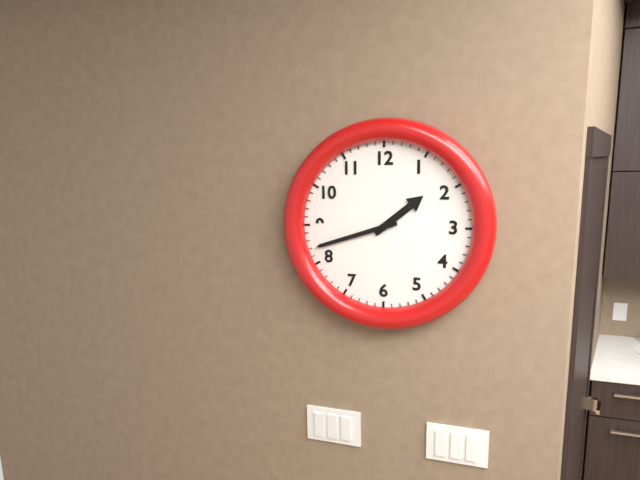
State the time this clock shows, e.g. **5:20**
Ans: **1:42**
